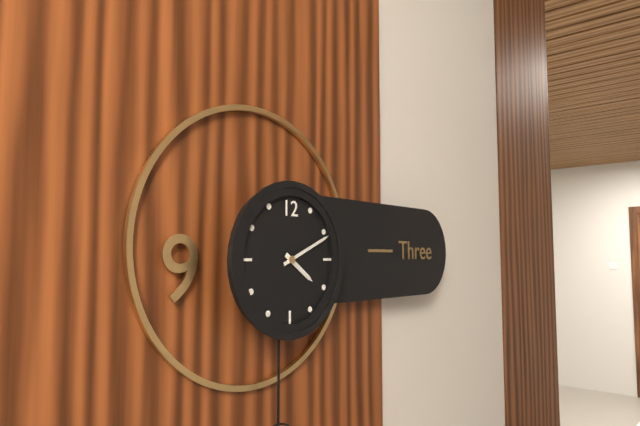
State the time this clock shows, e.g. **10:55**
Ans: **4:11**
